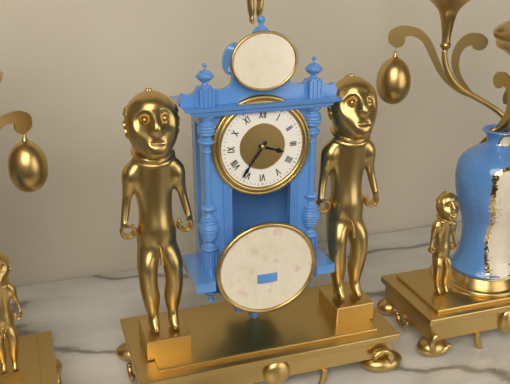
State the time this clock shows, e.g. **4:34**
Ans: **3:36**
